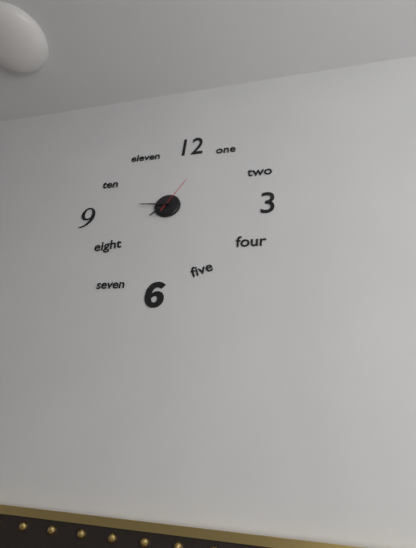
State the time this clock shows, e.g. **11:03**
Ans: **7:46**
